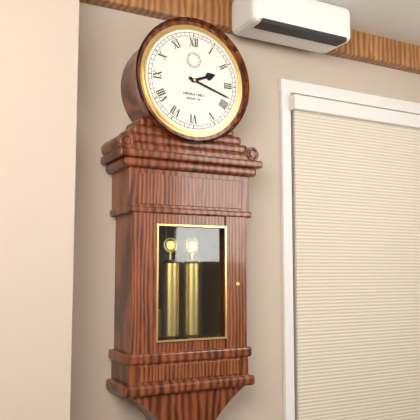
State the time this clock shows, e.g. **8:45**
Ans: **2:18**
